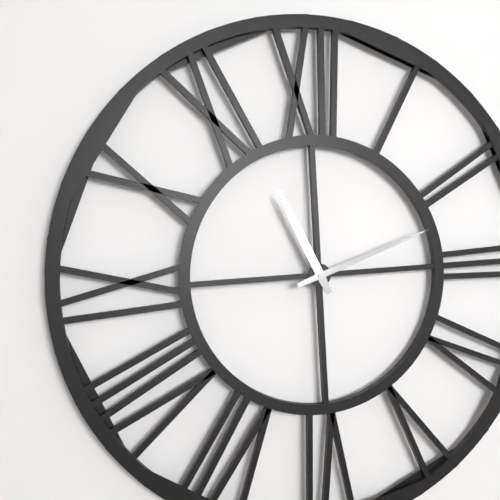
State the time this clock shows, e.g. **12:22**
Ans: **11:12**
